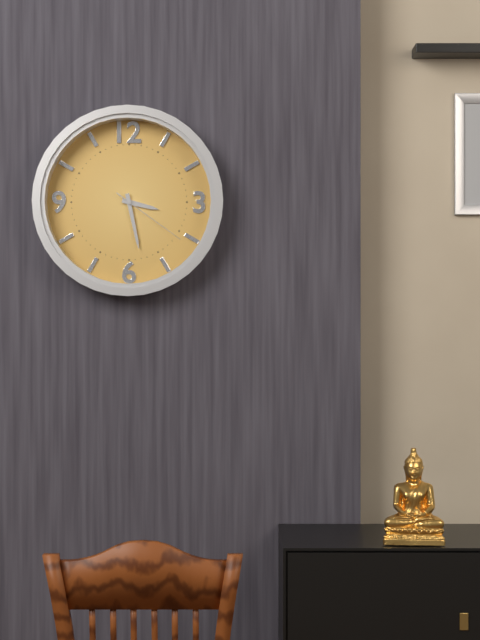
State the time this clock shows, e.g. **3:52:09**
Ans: **3:28:21**
